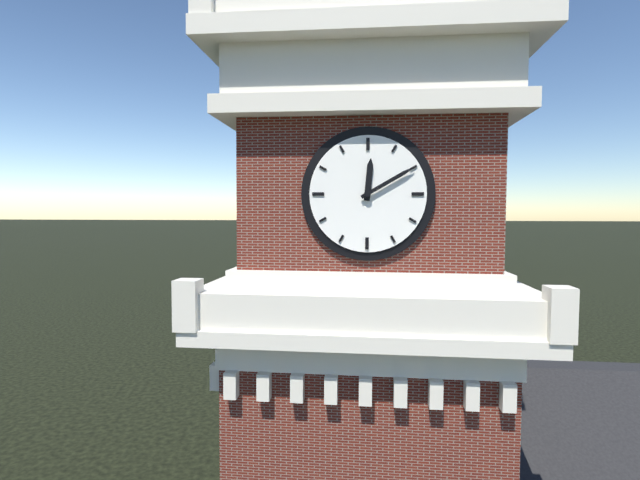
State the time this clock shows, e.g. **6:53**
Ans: **12:10**
